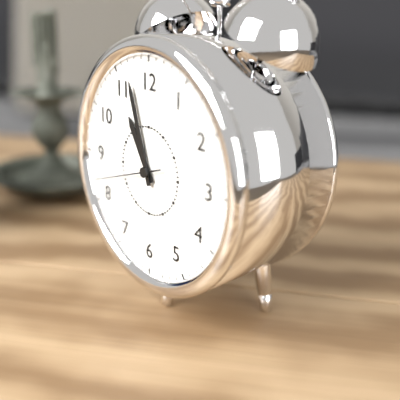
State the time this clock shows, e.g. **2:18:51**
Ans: **10:57:42**
